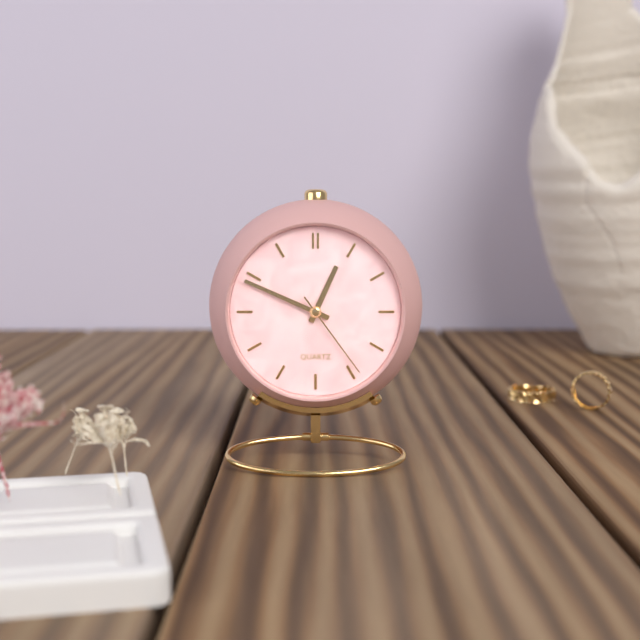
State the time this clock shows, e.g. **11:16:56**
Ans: **12:49:24**
